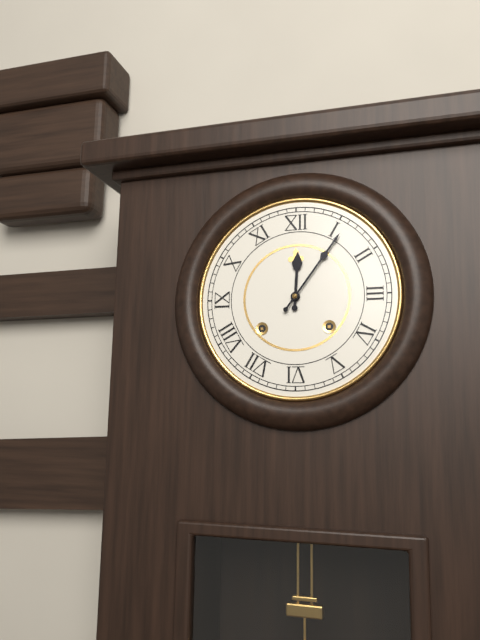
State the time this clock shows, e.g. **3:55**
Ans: **12:06**
